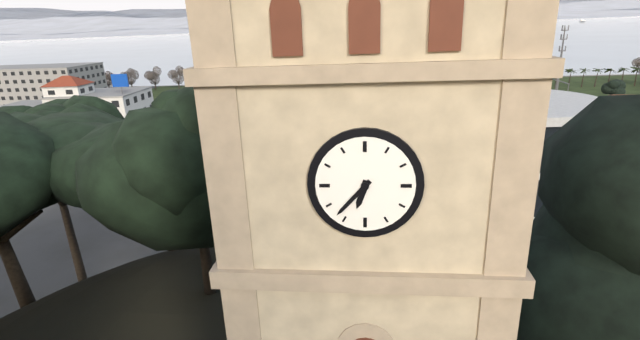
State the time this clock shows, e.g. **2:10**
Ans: **6:37**
